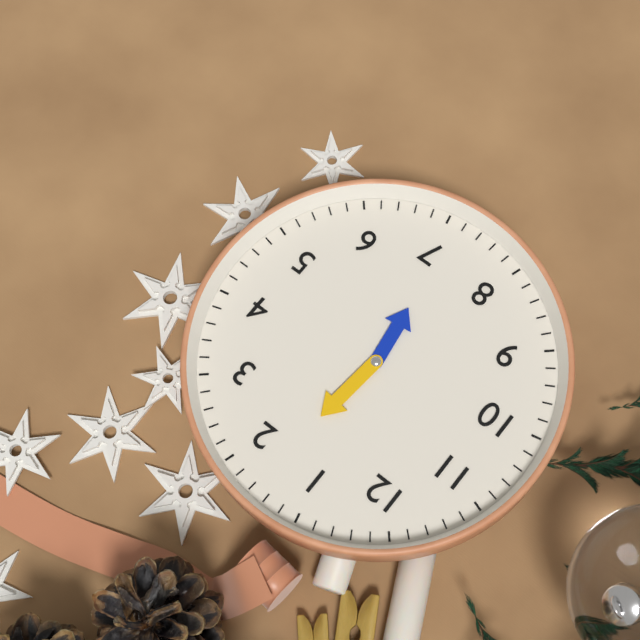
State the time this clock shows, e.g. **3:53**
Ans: **7:08**
